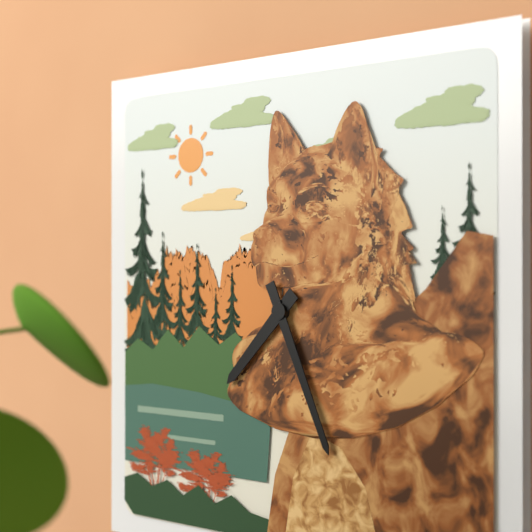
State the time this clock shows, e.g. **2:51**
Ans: **7:26**
